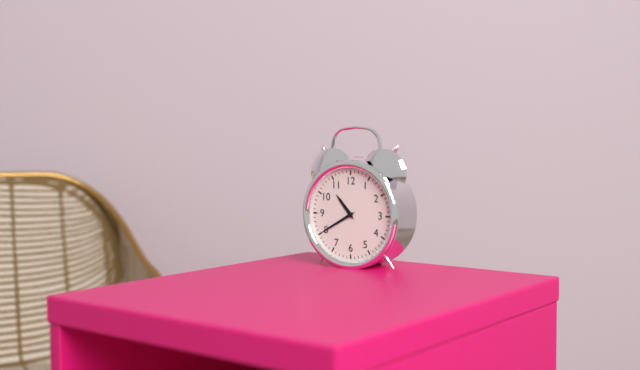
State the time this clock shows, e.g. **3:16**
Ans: **10:40**
